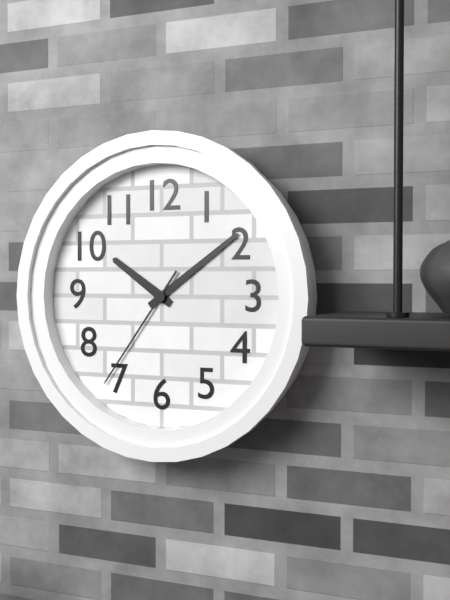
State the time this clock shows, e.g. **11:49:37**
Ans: **10:09:36**
